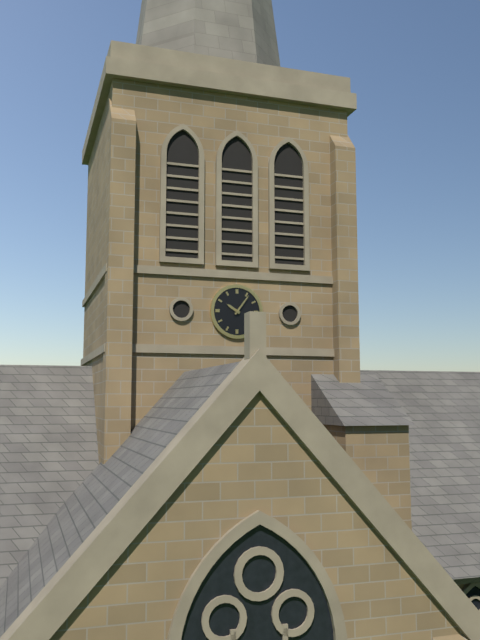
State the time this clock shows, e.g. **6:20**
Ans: **10:06**
